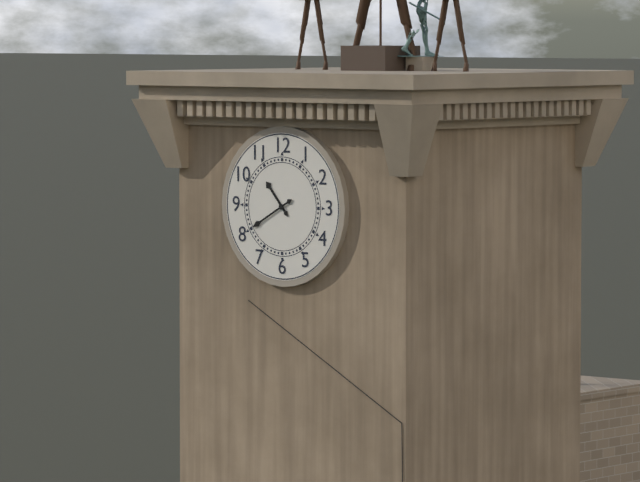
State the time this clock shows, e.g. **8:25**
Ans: **10:40**
